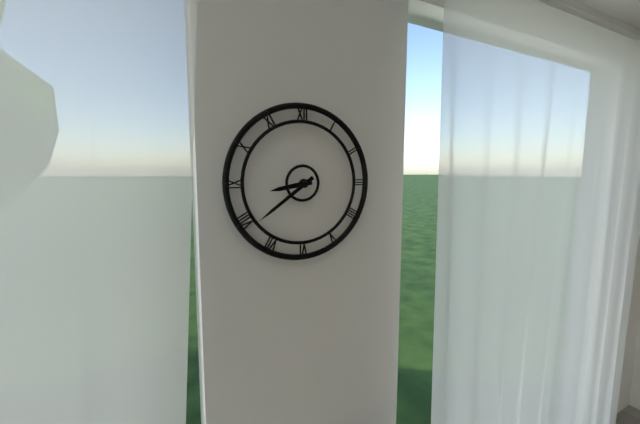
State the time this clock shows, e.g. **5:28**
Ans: **8:39**
